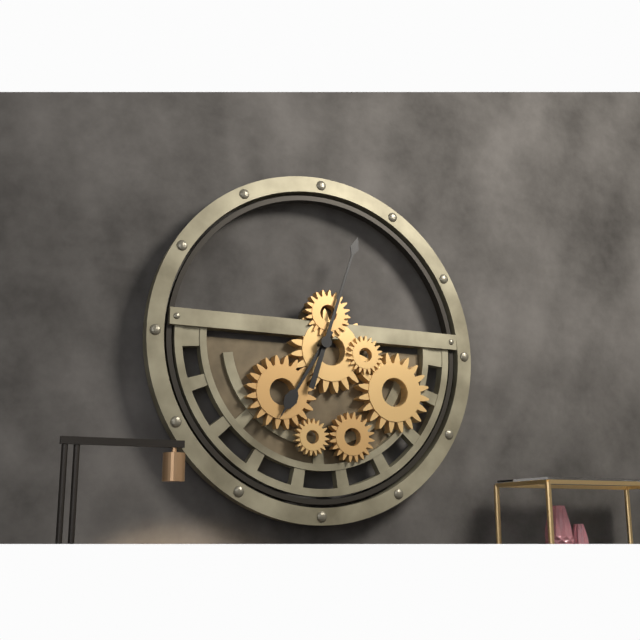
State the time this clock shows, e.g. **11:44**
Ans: **7:03**
